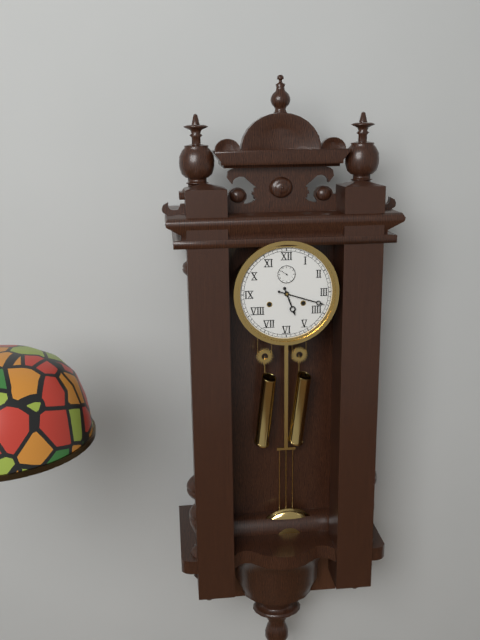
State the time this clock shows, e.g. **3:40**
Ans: **5:18**
